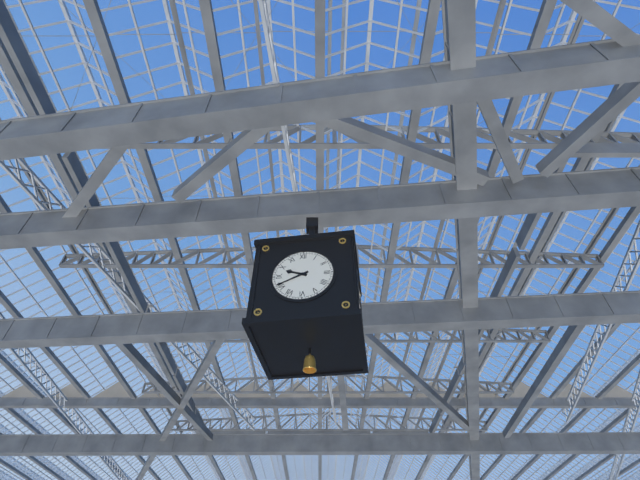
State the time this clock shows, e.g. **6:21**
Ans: **9:41**
